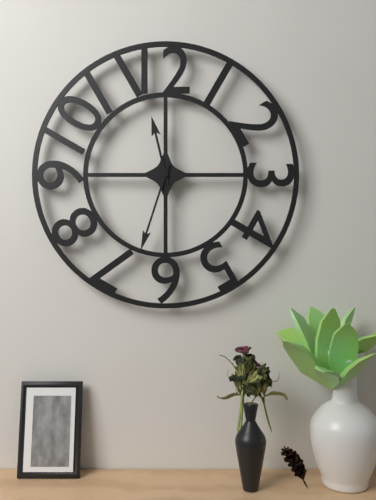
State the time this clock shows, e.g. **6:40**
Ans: **11:33**
